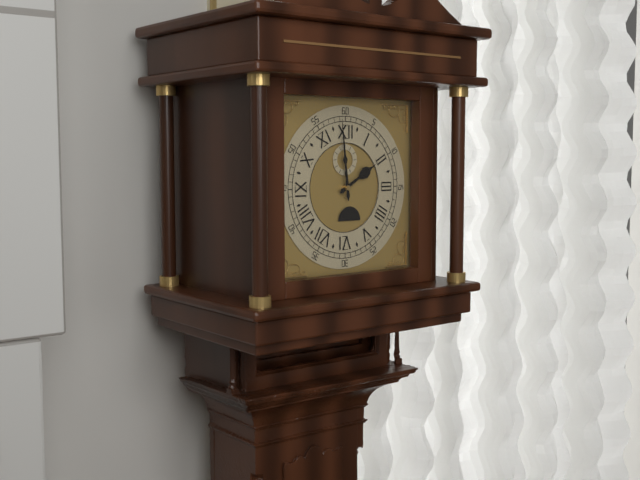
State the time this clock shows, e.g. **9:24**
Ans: **1:59**
